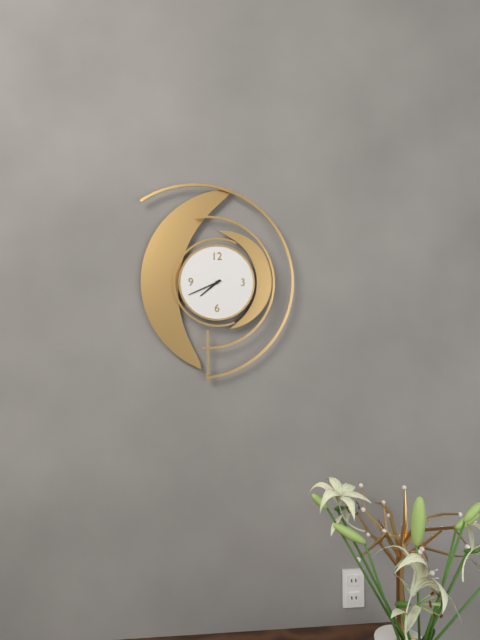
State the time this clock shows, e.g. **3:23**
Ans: **7:41**
